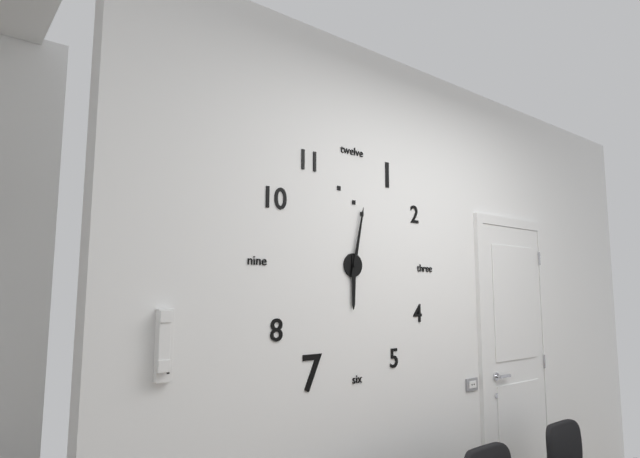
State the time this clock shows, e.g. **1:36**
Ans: **6:02**
